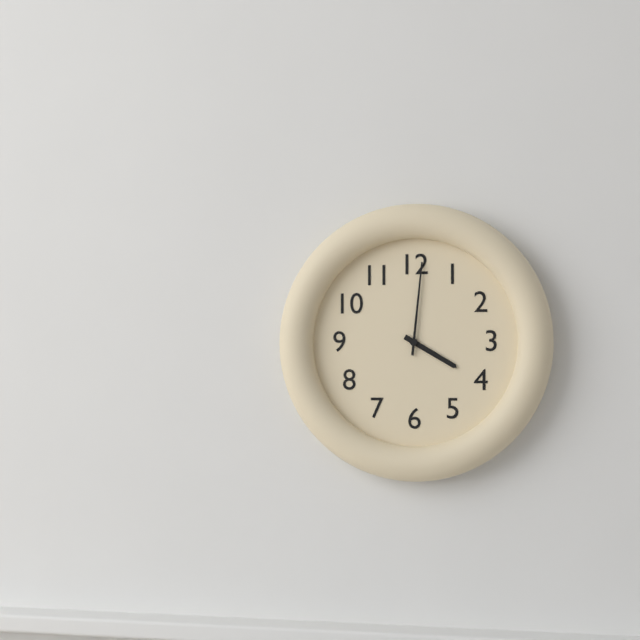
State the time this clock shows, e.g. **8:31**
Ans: **4:01**
